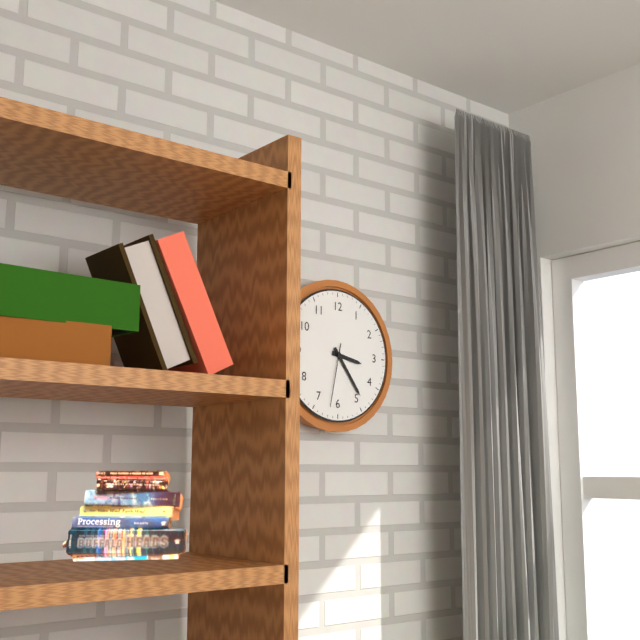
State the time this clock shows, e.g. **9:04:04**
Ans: **3:24:32**
